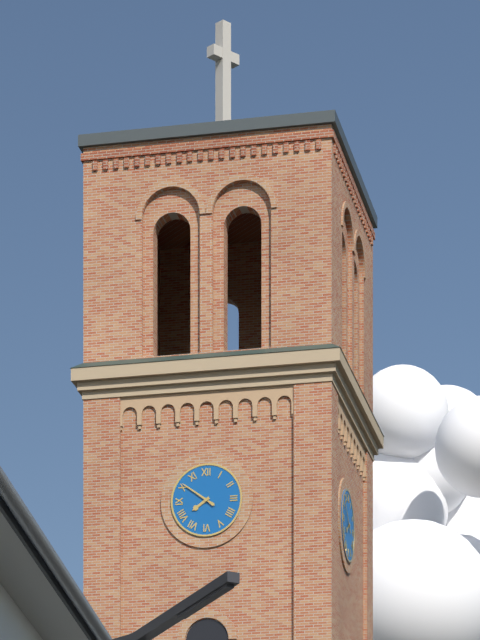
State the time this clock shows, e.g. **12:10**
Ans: **7:51**
